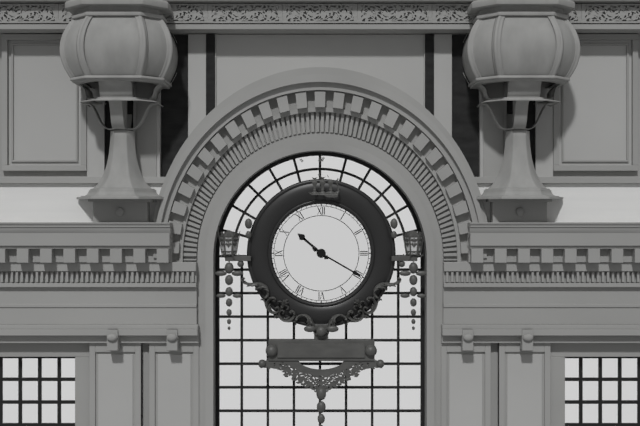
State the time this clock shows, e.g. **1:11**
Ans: **10:20**
